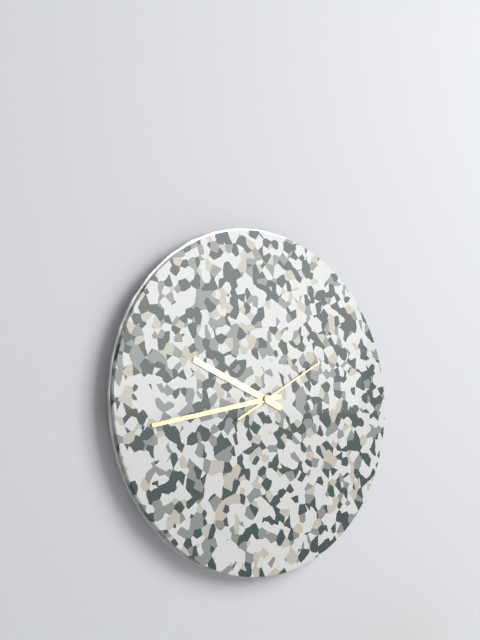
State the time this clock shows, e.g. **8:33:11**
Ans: **9:43:10**
